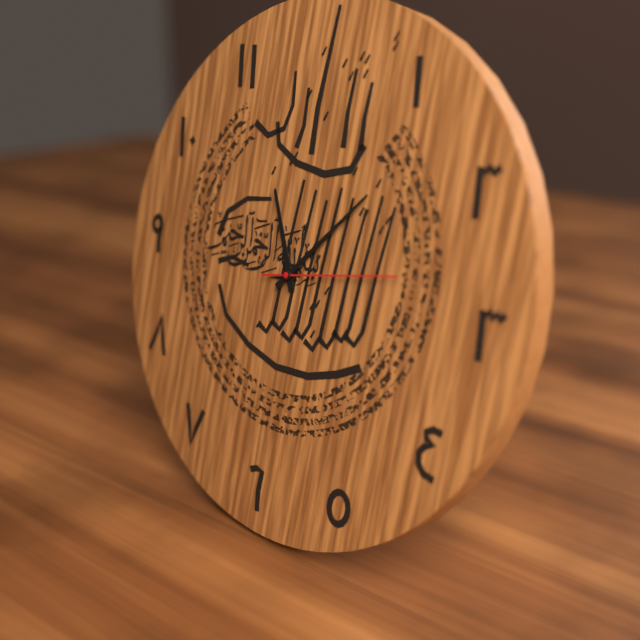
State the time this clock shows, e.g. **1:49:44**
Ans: **11:07:13**
